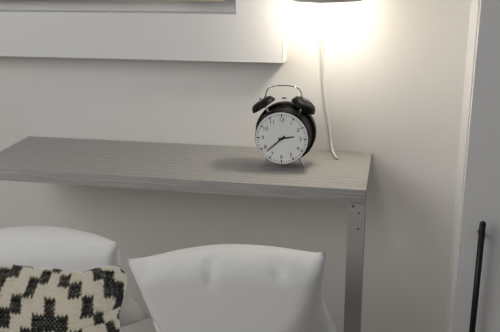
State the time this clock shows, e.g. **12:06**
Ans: **2:38**
